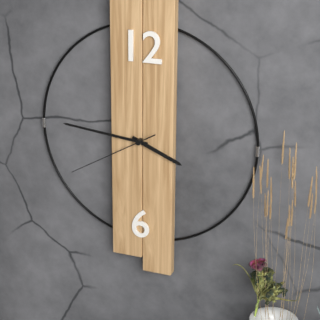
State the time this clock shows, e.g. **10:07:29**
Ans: **3:46:40**
